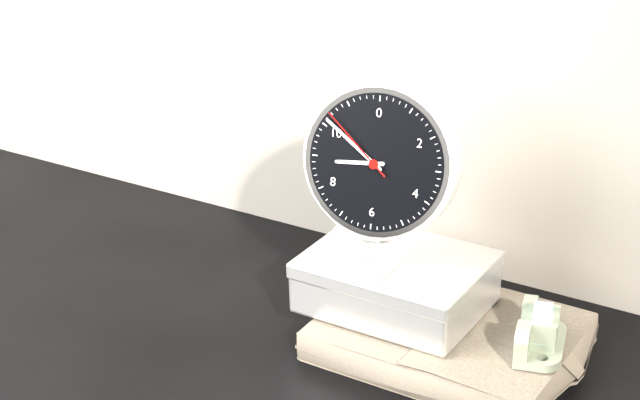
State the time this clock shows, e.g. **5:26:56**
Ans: **8:51:52**
